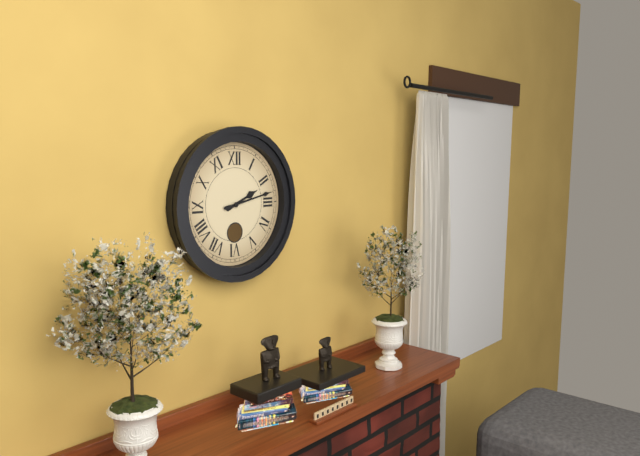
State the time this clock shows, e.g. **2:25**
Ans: **2:13**
